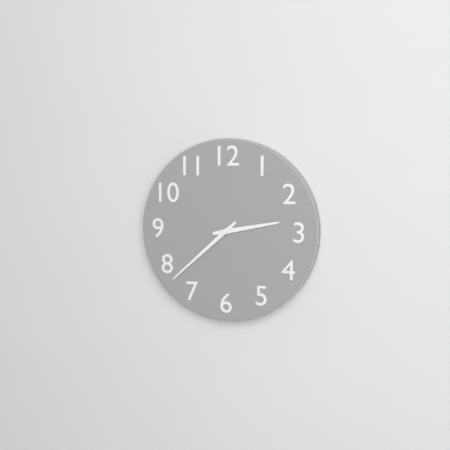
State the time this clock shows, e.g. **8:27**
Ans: **2:38**
